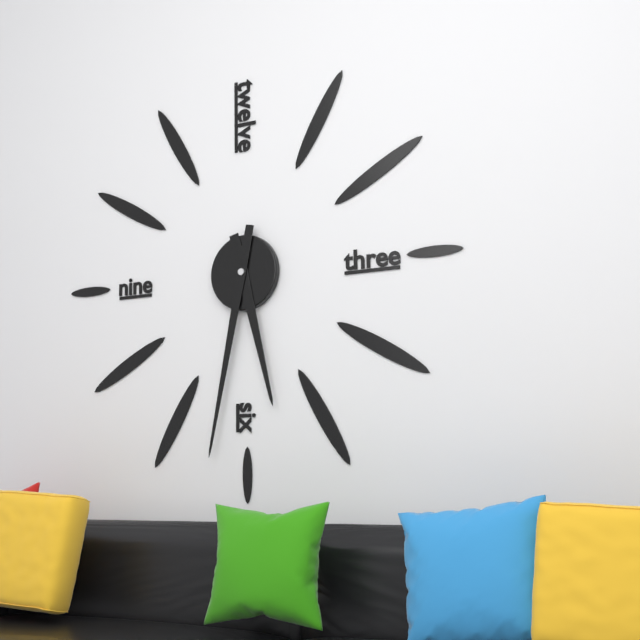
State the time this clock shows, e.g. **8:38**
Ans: **5:32**
